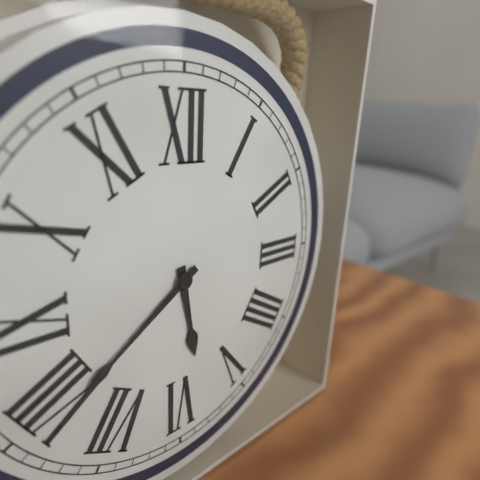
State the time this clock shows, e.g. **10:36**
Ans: **5:39**
